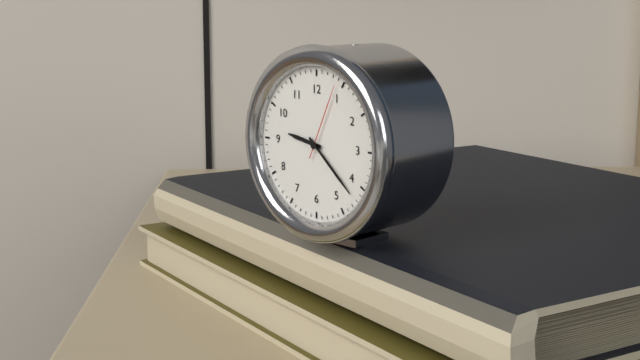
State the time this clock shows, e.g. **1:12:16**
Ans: **9:22:04**
